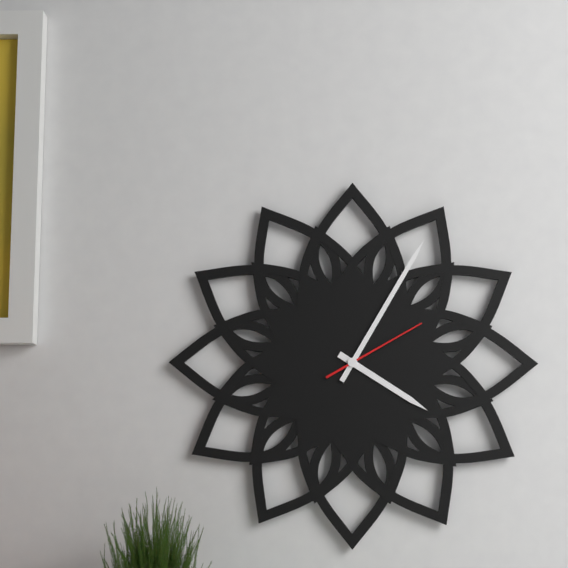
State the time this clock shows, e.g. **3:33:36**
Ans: **4:05:10**
